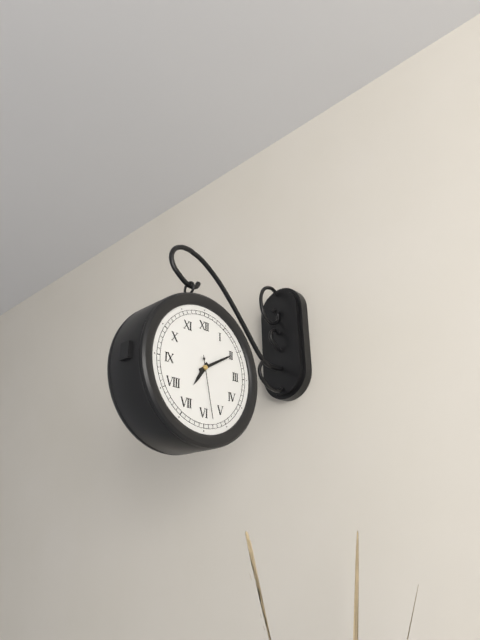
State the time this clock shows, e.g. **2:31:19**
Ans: **7:10:28**
